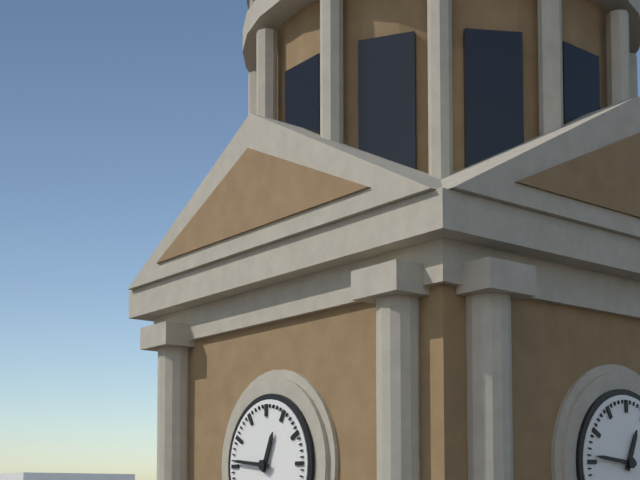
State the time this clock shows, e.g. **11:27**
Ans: **12:46**
